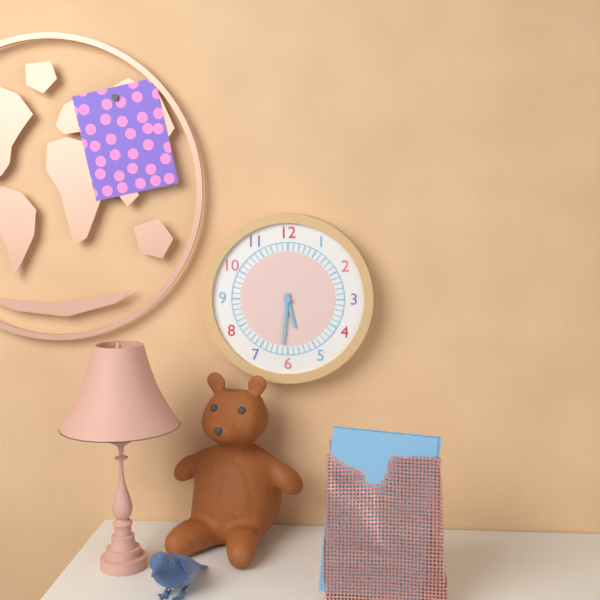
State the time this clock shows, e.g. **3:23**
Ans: **5:31**
